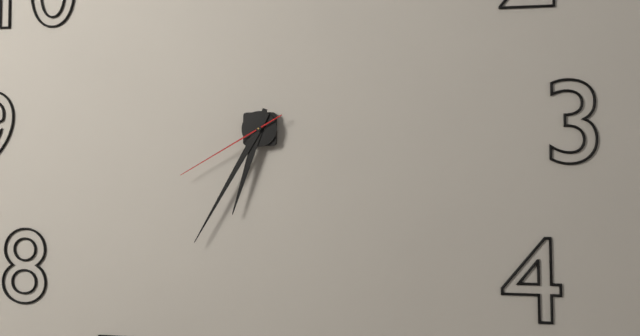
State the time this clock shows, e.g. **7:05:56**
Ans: **6:35:40**
